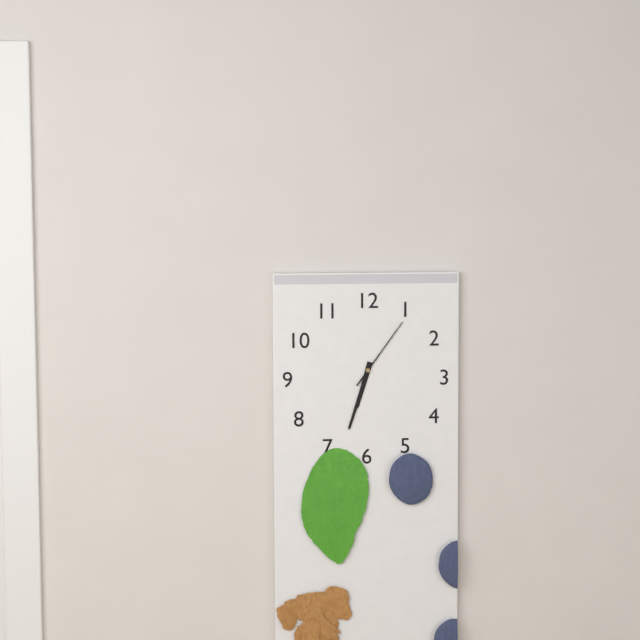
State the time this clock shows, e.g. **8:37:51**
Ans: **6:33:06**
